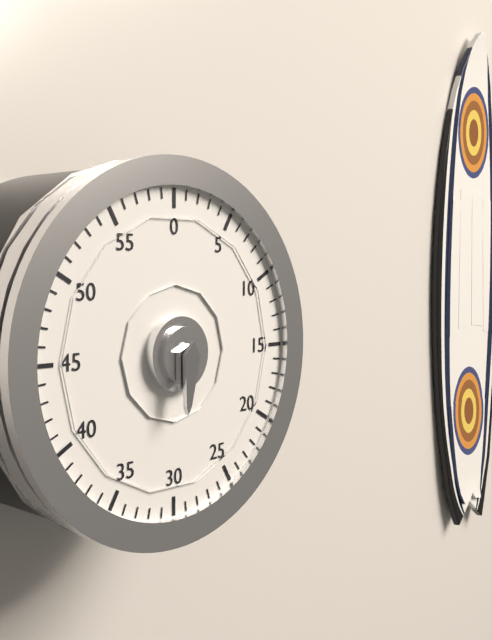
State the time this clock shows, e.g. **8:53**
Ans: **6:31**
